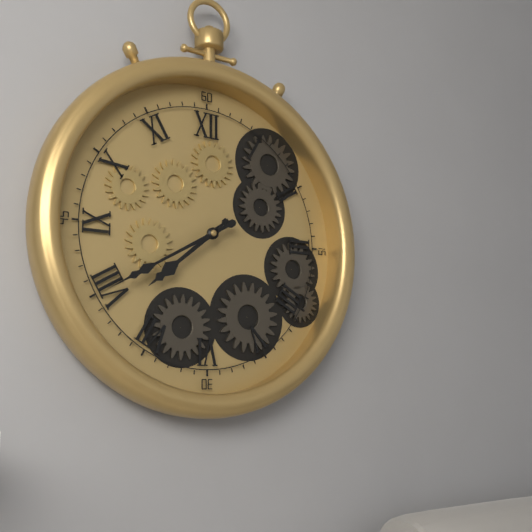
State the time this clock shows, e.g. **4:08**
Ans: **7:40**
